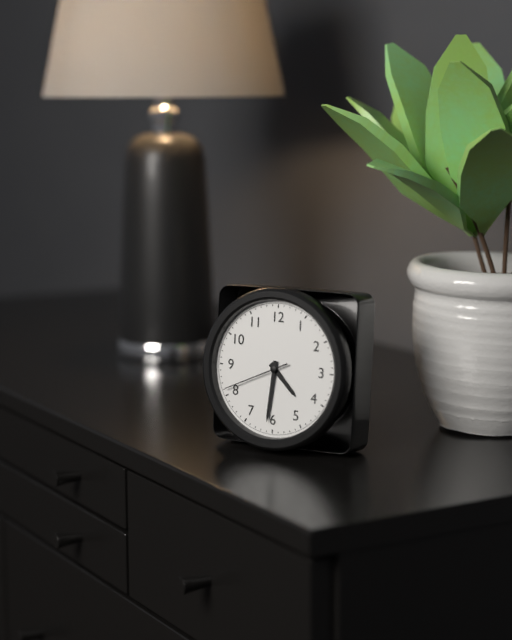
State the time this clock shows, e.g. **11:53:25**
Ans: **4:31:41**
